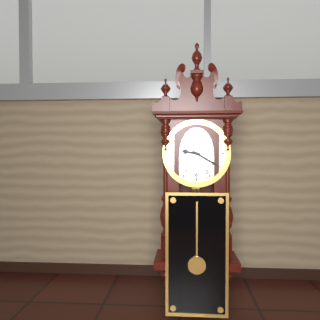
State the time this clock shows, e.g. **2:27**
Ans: **9:20**
